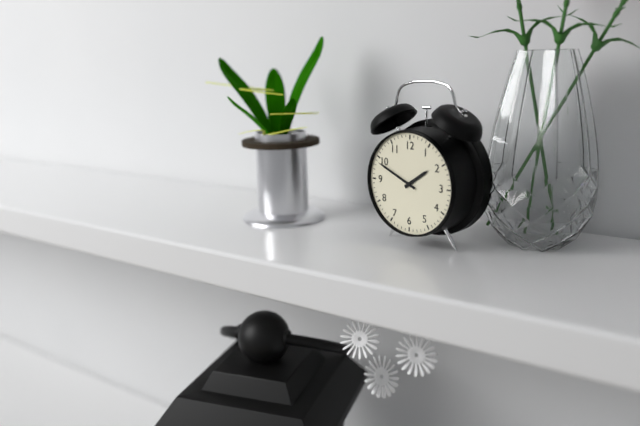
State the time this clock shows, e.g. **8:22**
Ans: **1:49**
